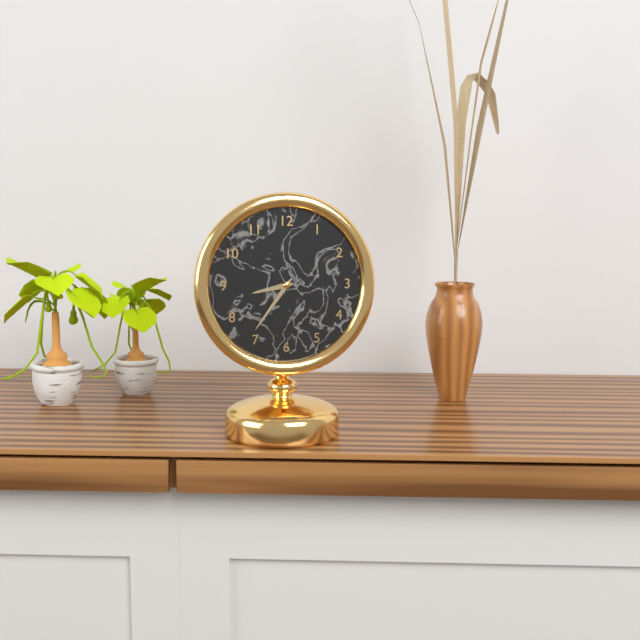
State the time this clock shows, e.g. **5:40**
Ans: **8:36**
